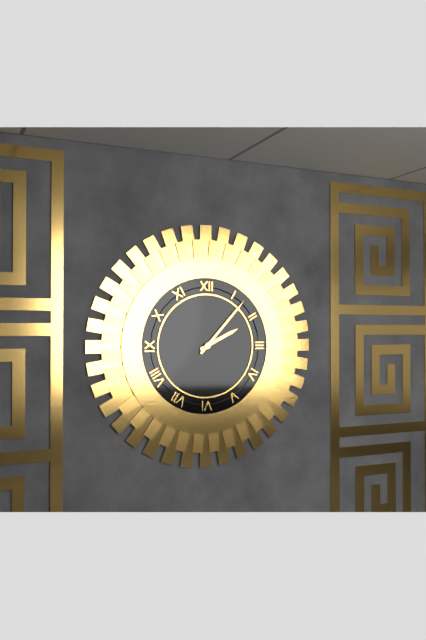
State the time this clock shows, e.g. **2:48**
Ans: **2:07**
